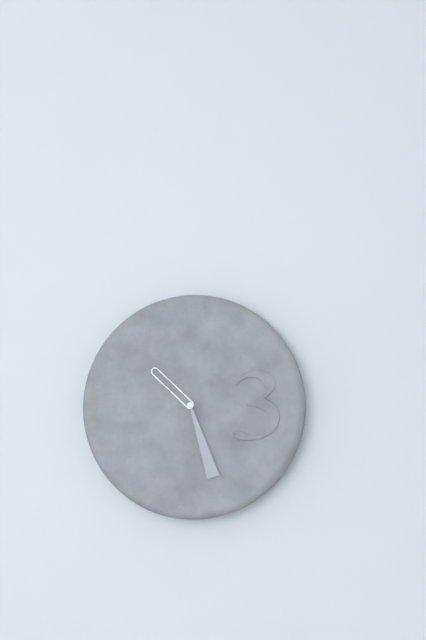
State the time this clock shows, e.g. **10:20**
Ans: **10:27**
